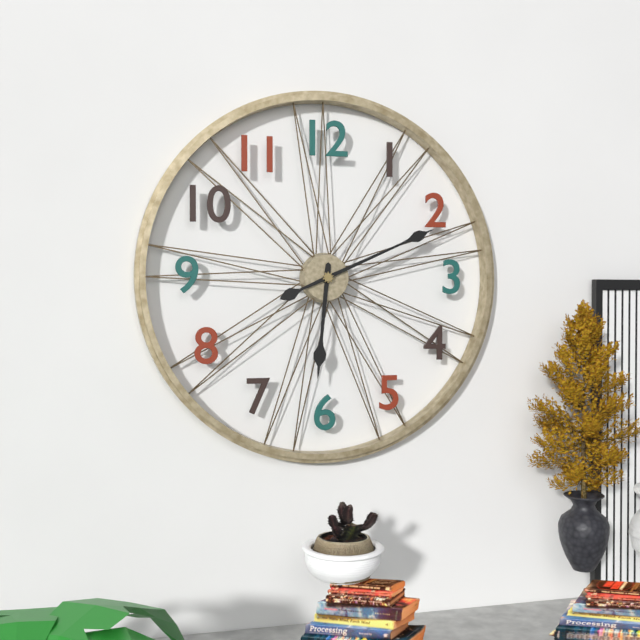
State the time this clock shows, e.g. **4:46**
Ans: **6:11**
